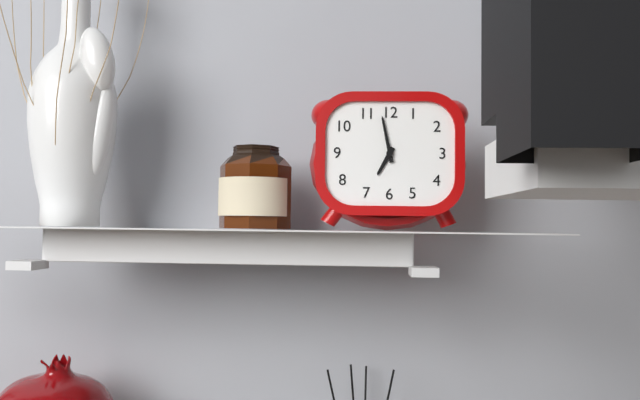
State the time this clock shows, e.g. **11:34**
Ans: **6:58**
